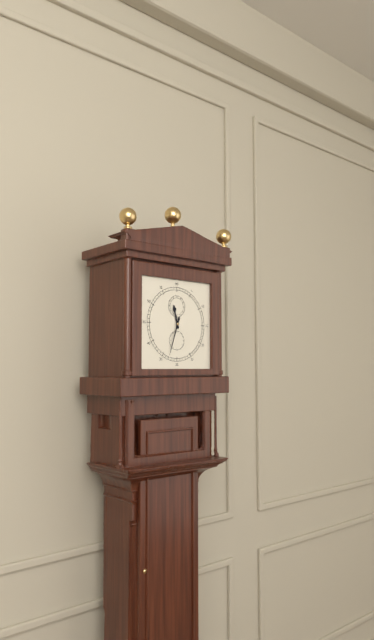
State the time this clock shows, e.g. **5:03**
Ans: **11:33**
